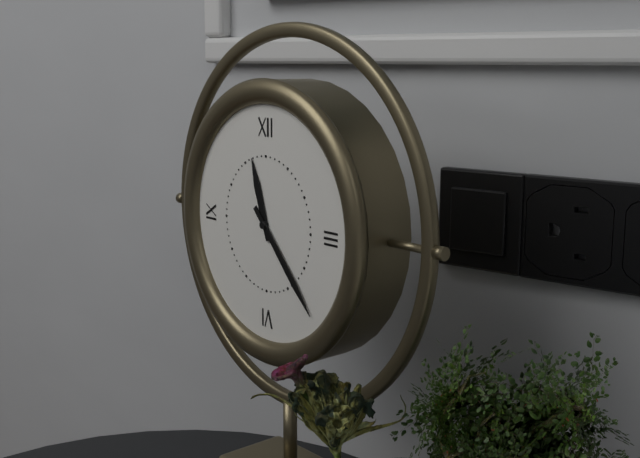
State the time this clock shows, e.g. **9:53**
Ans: **11:23**
